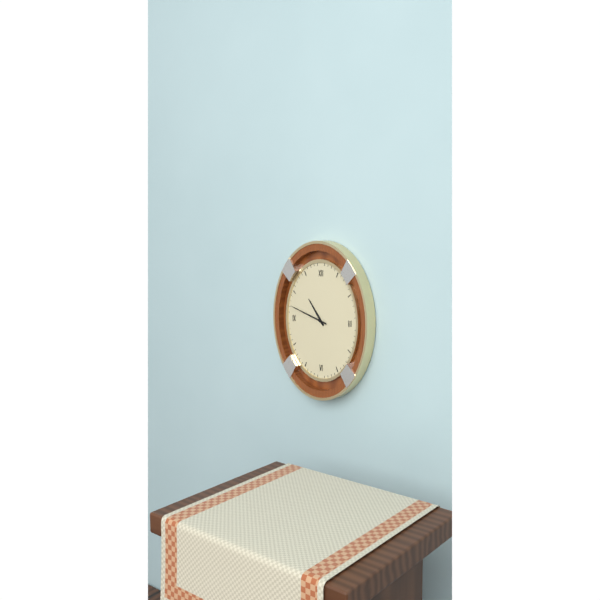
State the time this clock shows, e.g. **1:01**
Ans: **10:48**
